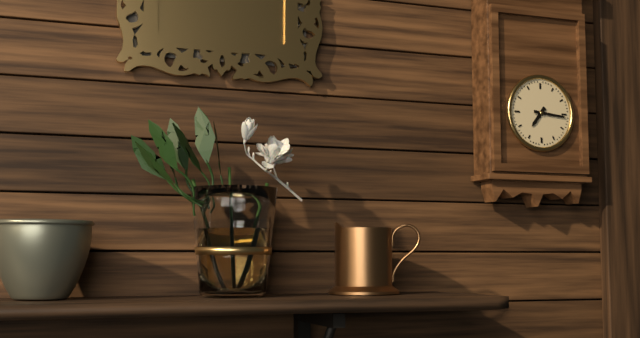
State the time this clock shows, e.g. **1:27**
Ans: **7:16**
